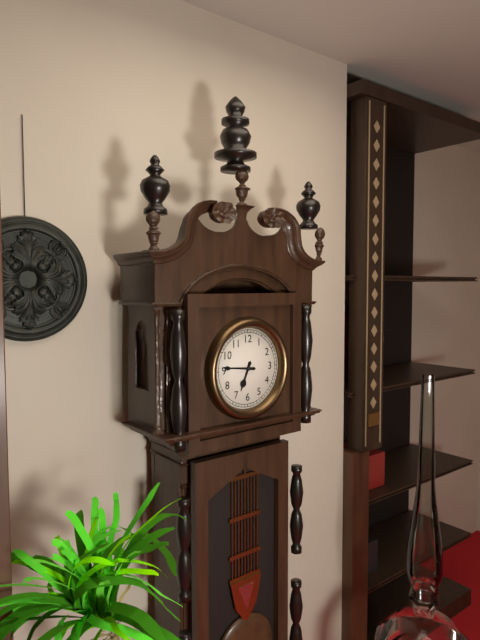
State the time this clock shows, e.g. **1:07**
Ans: **6:46**
